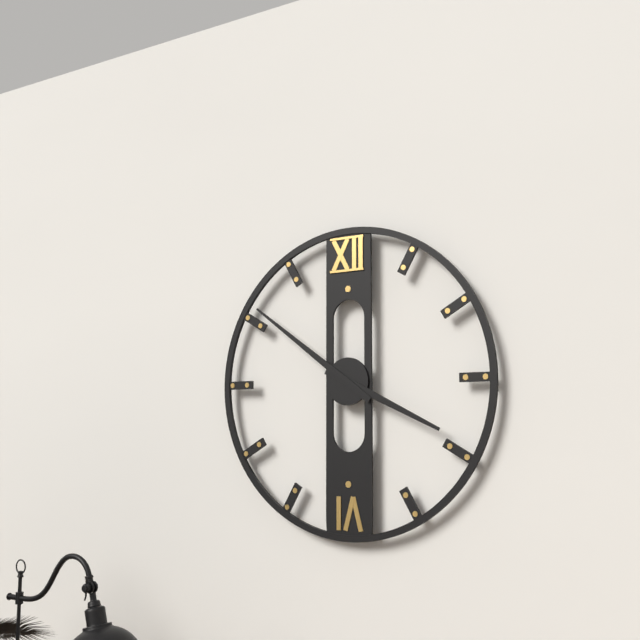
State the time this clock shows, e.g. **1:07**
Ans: **3:51**
